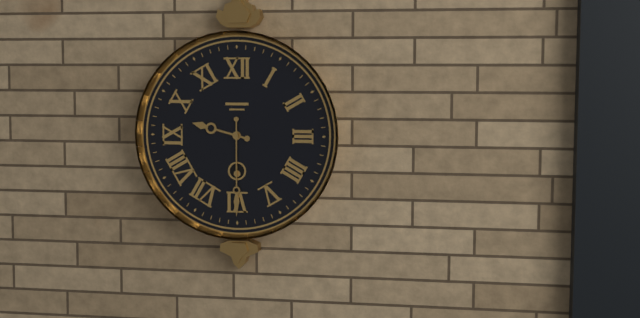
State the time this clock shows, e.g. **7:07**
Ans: **9:30**
